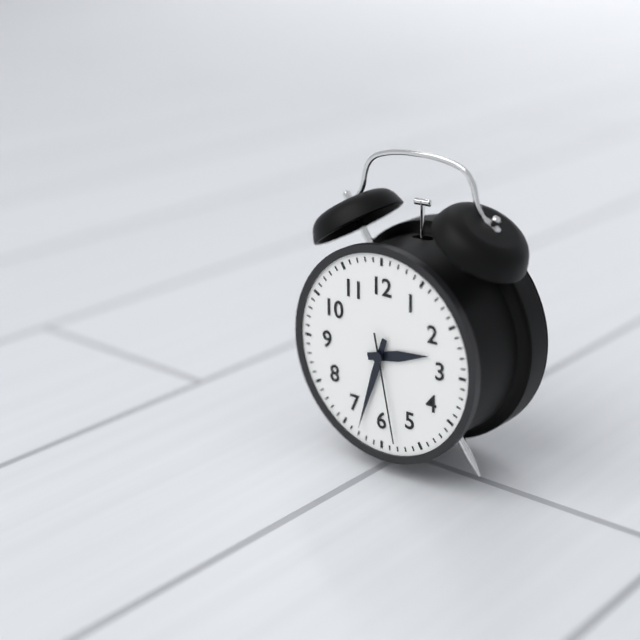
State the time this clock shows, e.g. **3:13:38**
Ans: **2:33:28**
